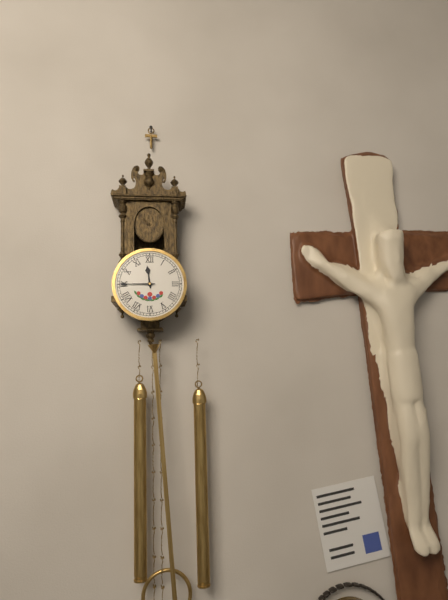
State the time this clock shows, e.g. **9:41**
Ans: **11:45**
